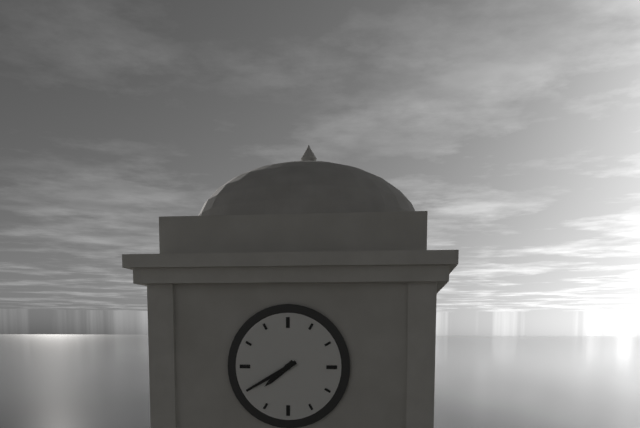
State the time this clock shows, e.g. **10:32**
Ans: **7:40**
